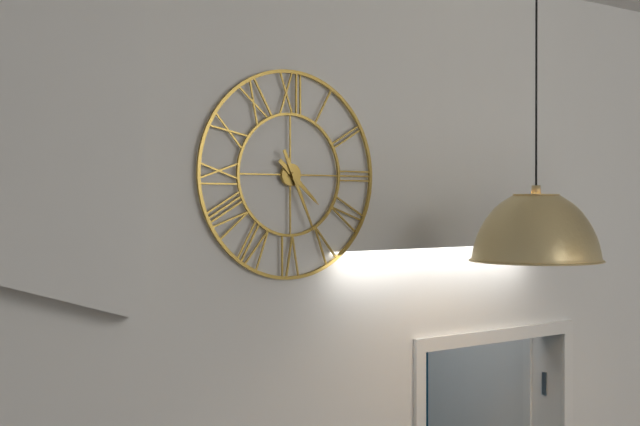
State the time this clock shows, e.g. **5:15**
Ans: **4:26**
